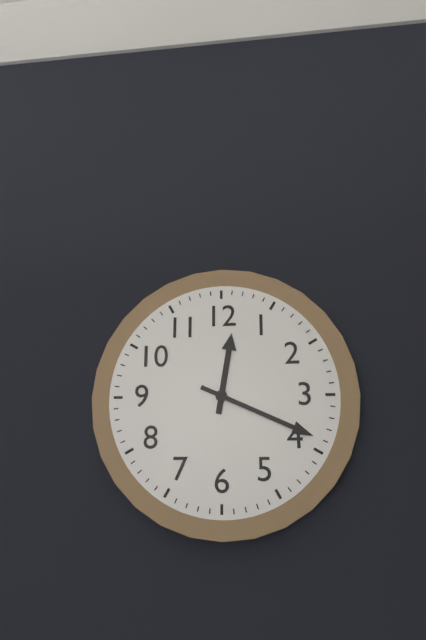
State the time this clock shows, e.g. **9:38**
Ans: **12:19**
